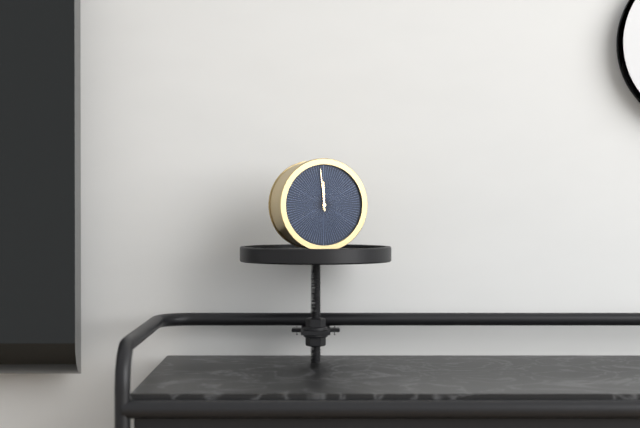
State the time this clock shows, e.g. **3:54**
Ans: **11:59**
